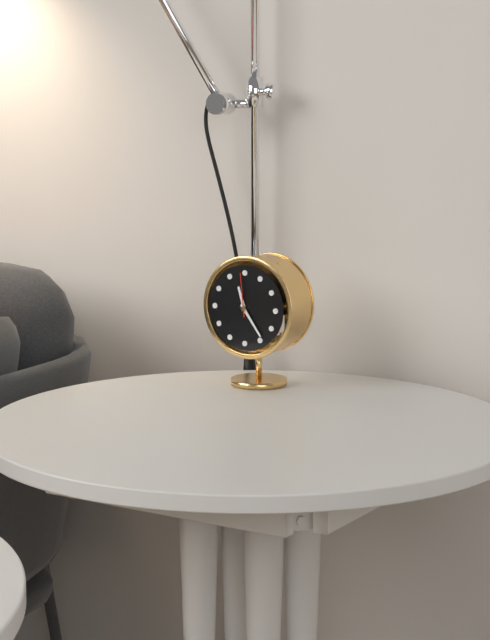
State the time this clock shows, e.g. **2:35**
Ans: **11:24**
